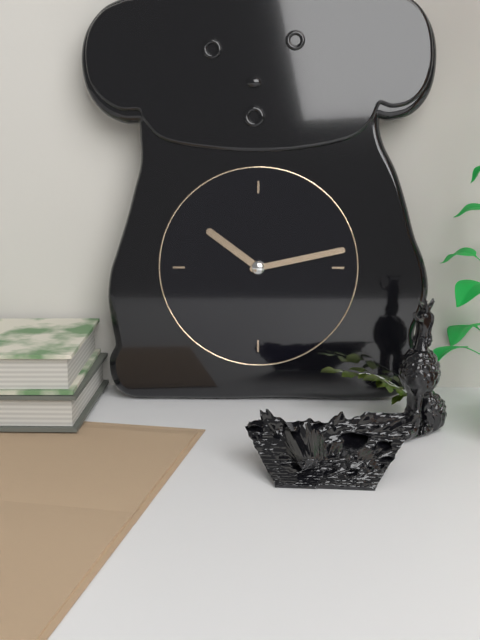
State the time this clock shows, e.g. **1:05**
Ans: **10:13**
